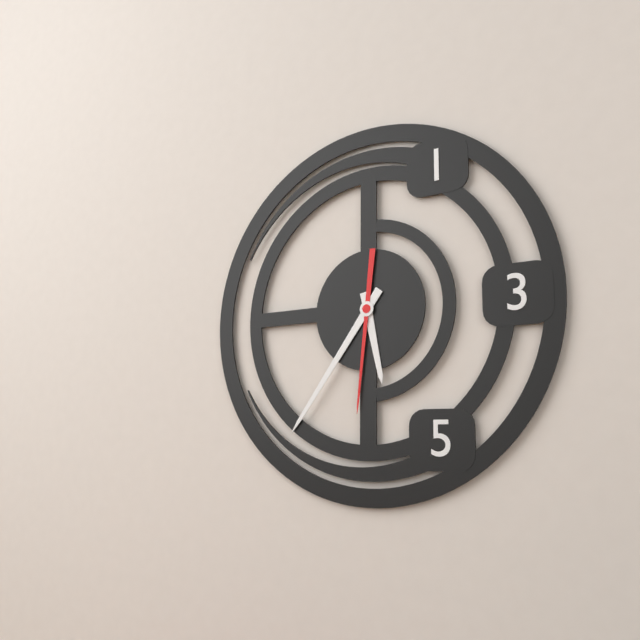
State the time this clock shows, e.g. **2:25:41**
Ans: **5:36:31**
